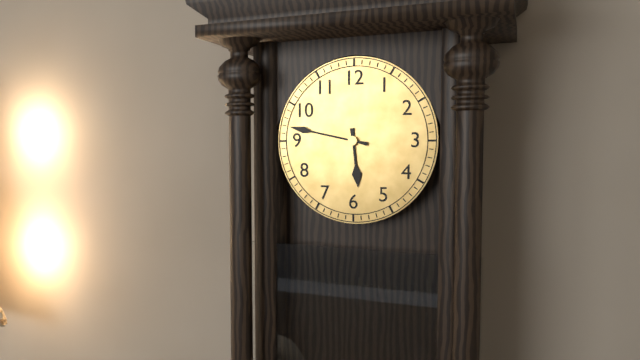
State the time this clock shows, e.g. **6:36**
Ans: **5:47**
